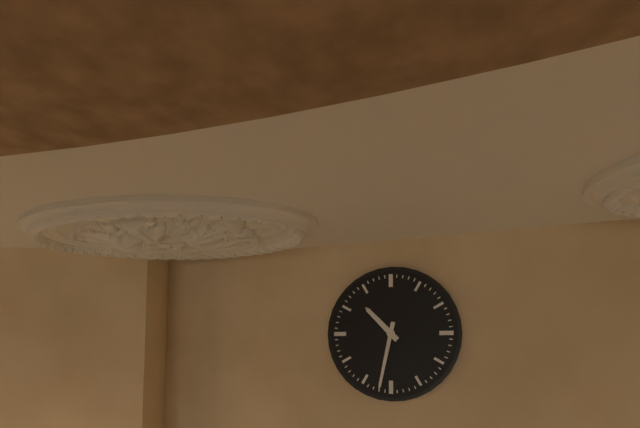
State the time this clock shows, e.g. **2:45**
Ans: **10:32**
